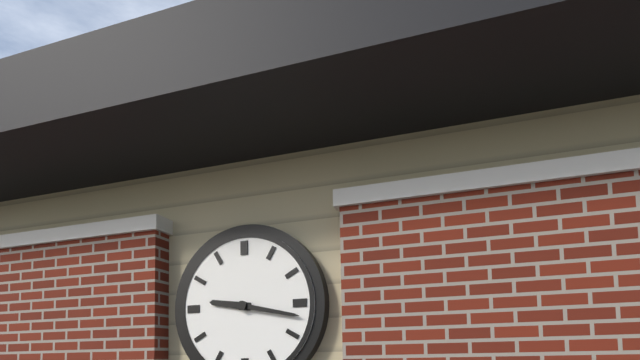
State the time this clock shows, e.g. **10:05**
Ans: **9:17**
